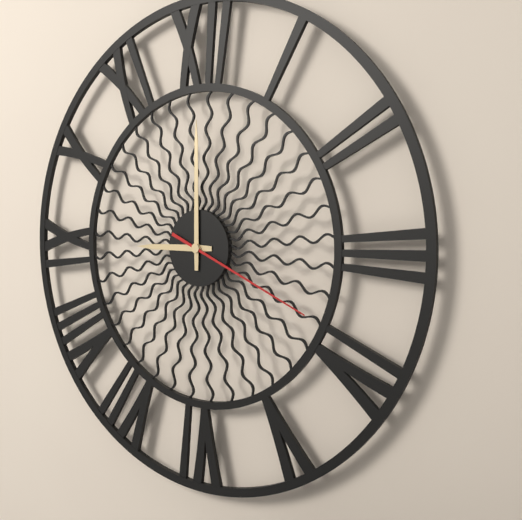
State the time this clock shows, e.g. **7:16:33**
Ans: **9:00:19**
